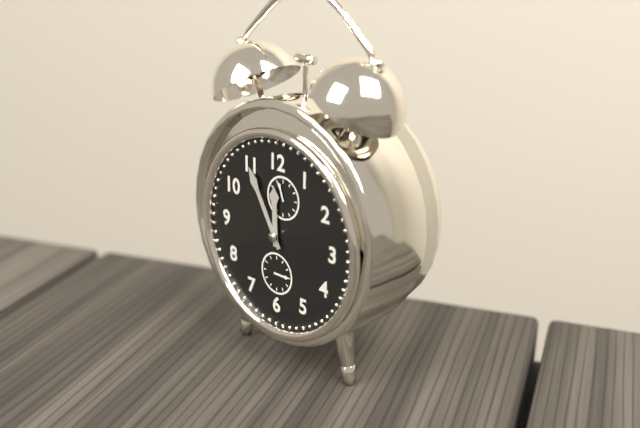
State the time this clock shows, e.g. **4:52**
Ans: **11:55**
